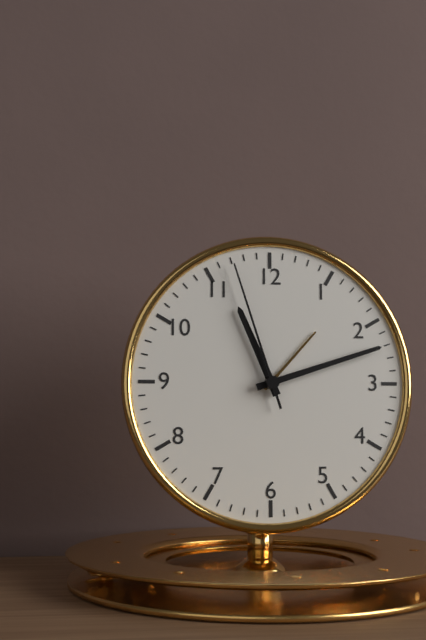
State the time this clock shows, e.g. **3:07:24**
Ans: **11:12:57**
